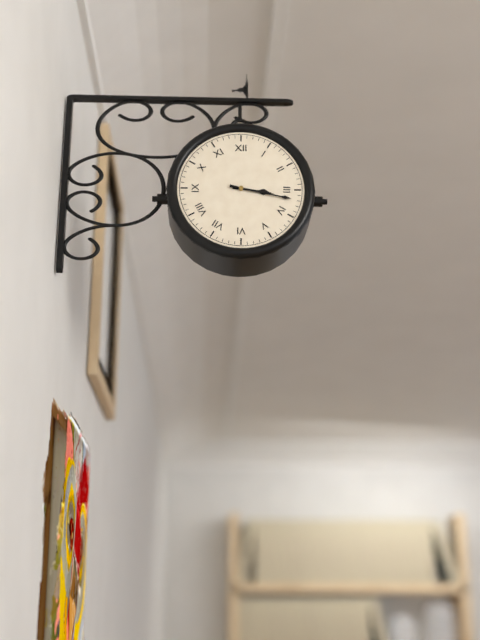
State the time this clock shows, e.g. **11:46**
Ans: **3:17**
